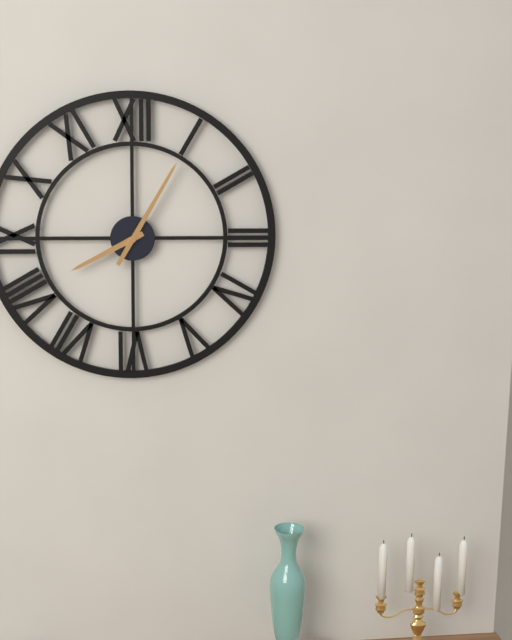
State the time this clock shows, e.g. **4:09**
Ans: **8:05**
